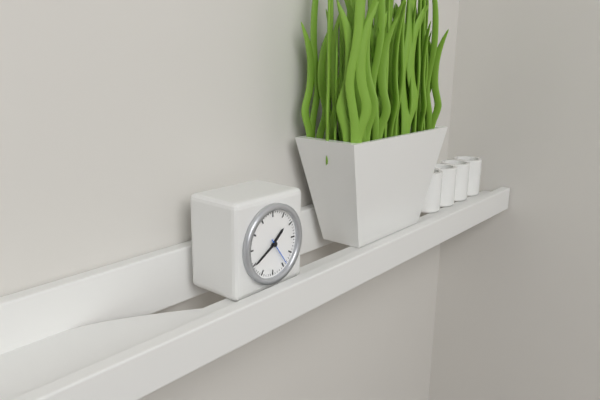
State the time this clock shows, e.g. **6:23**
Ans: **1:40**
